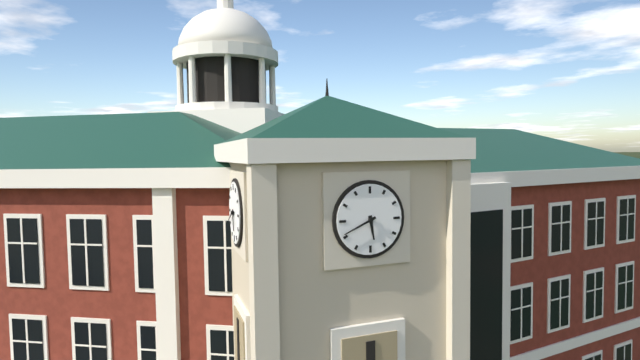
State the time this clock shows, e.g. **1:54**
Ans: **5:41**
